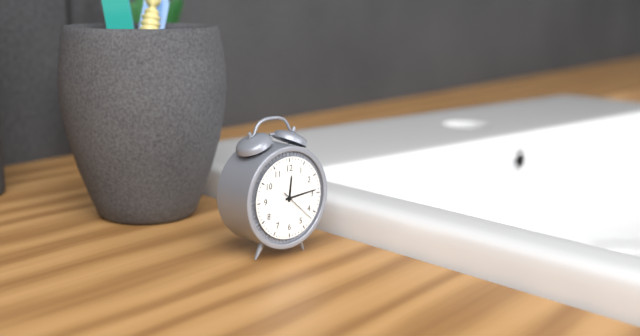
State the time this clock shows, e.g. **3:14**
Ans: **12:14**
